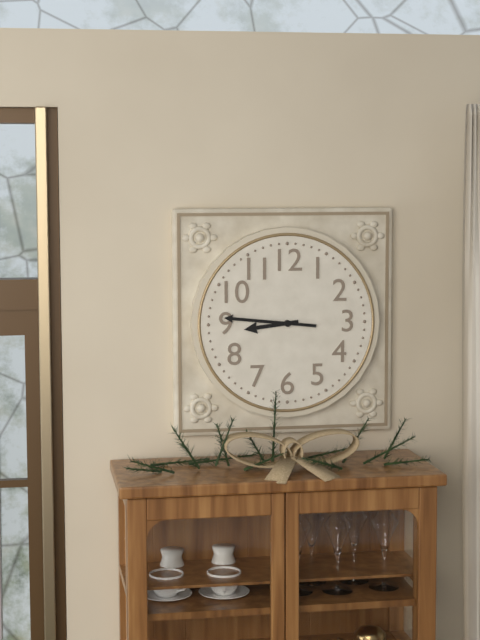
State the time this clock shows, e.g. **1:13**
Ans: **8:46**
